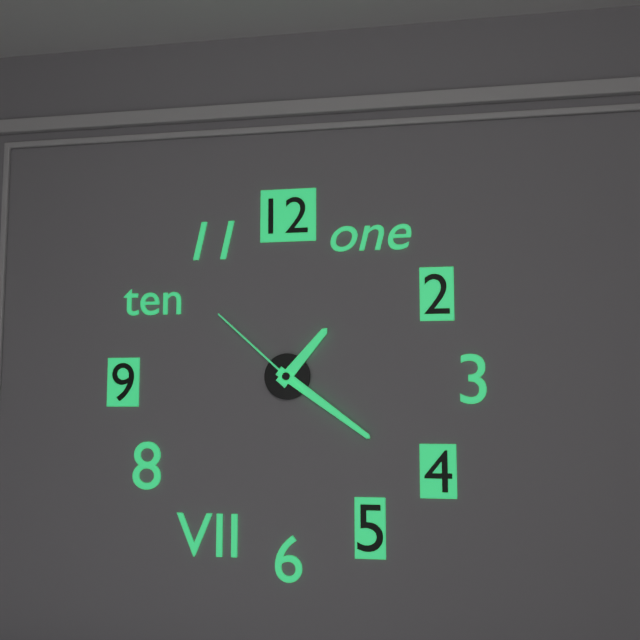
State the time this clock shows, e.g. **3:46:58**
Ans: **1:21:52**
